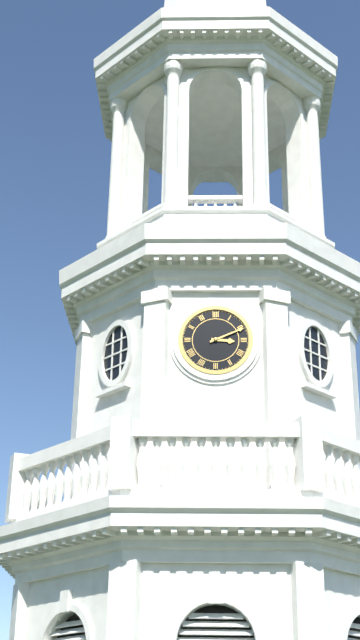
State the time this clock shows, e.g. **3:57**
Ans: **3:11**
